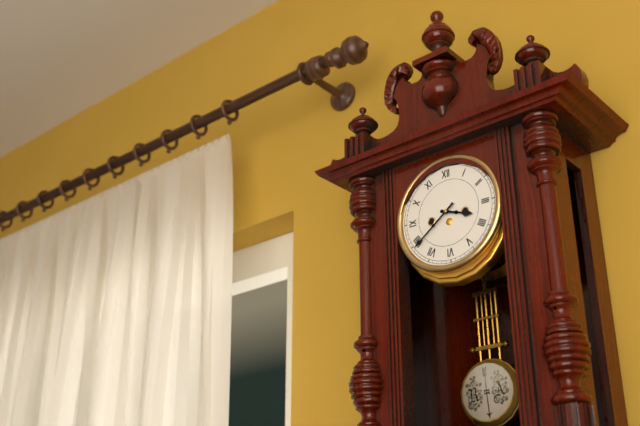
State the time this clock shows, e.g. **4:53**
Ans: **3:39**
